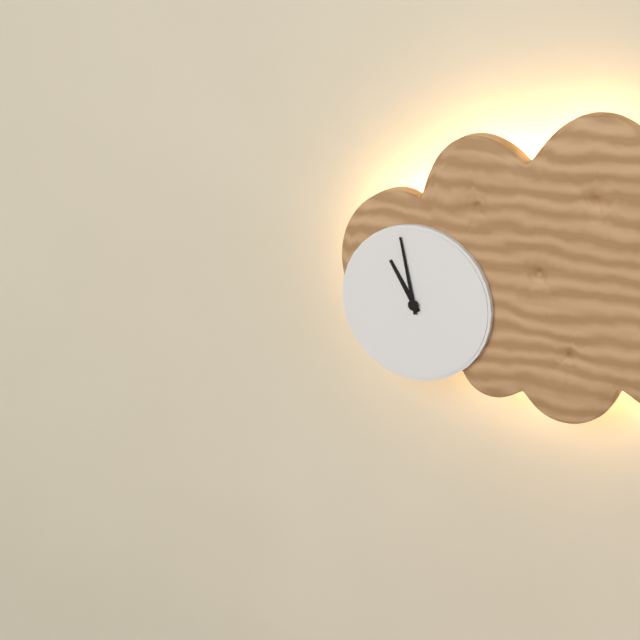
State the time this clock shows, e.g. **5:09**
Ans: **10:58**
